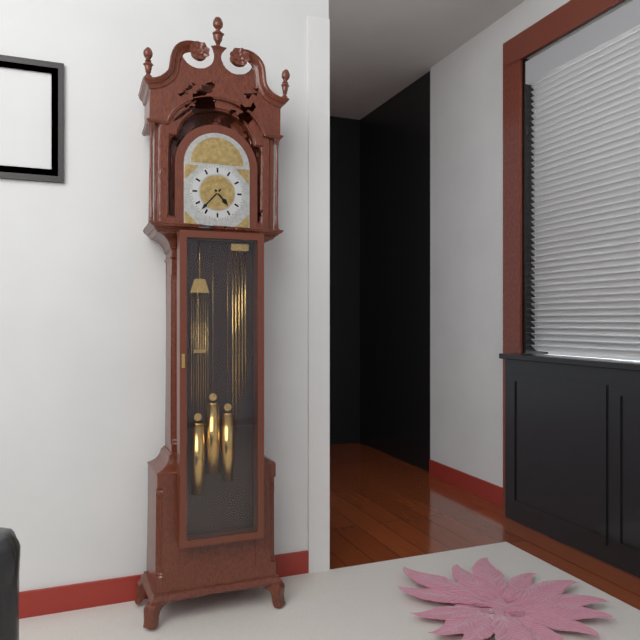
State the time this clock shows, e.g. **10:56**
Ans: **4:37**
